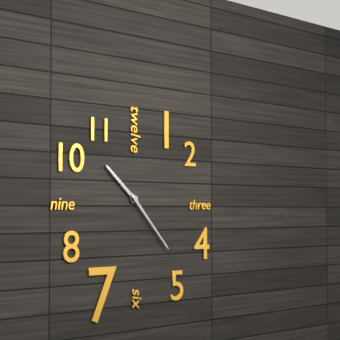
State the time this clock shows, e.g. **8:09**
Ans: **10:23**
